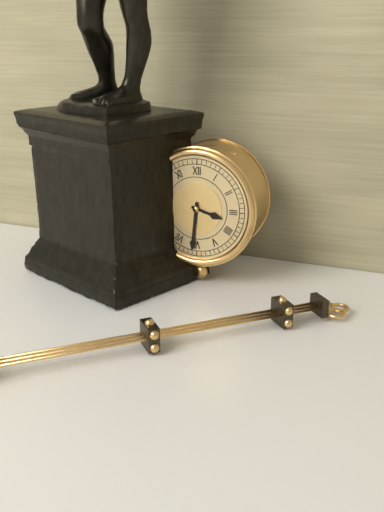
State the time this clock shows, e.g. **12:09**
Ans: **3:31**
